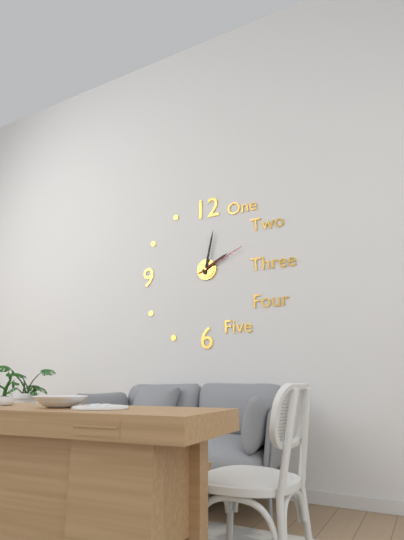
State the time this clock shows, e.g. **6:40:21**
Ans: **2:02:11**
